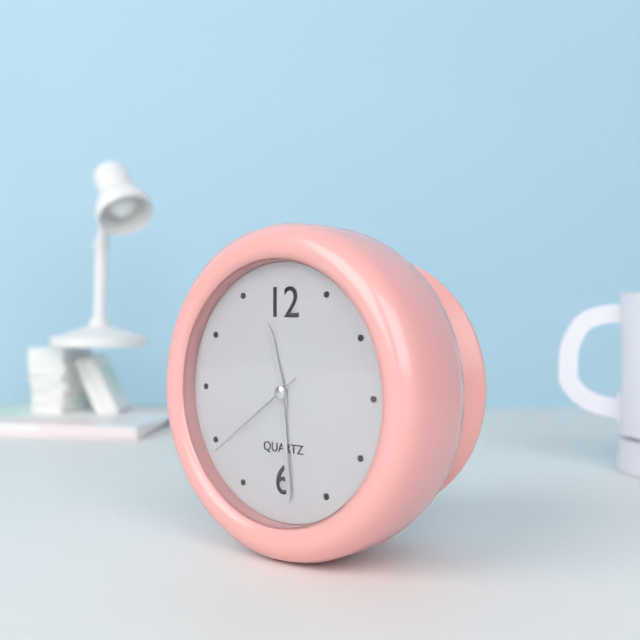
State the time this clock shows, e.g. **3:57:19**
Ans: **11:29:39**
